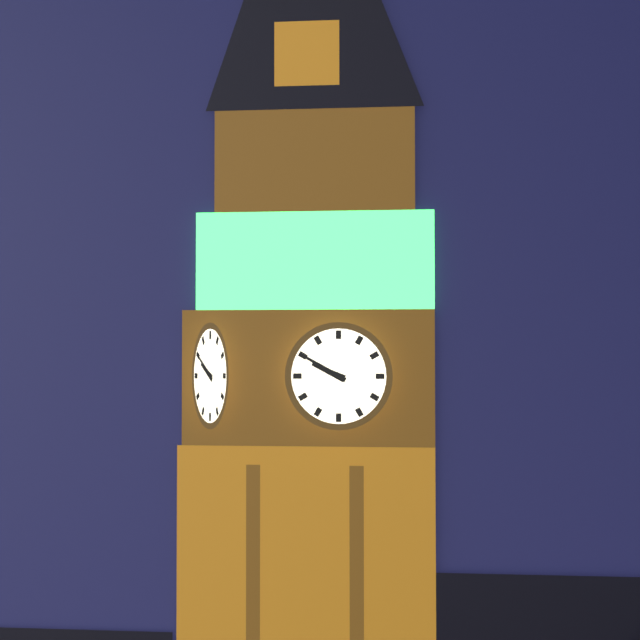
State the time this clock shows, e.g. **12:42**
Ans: **9:50**
